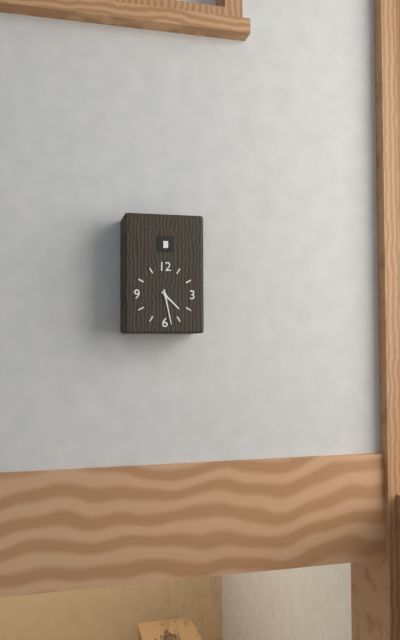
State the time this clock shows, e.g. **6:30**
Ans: **4:28**
